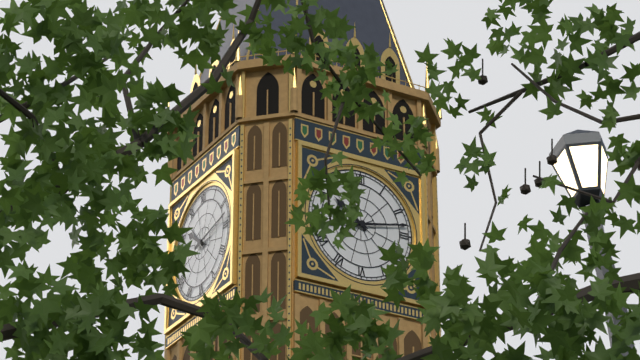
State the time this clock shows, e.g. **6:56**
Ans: **10:13**
